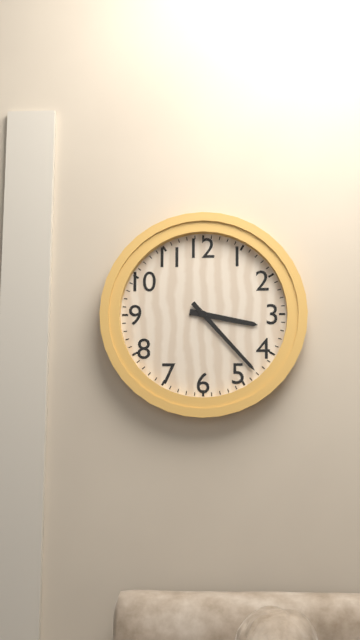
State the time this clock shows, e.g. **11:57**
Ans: **3:23**
